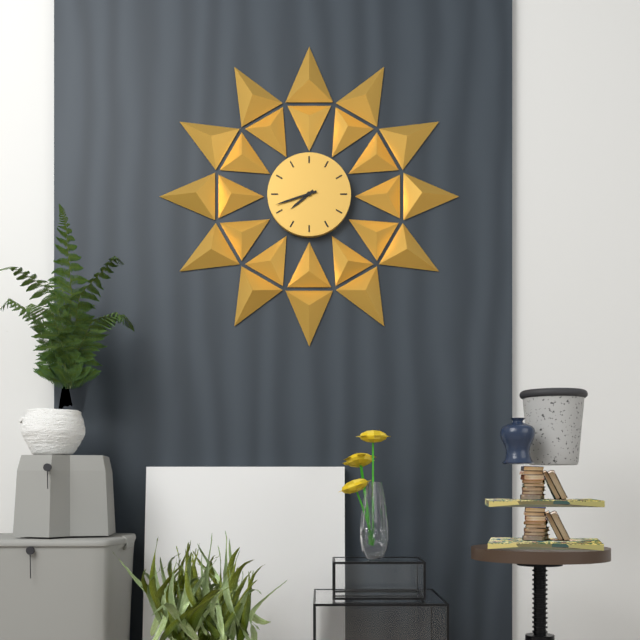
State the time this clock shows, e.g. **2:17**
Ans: **7:42**
